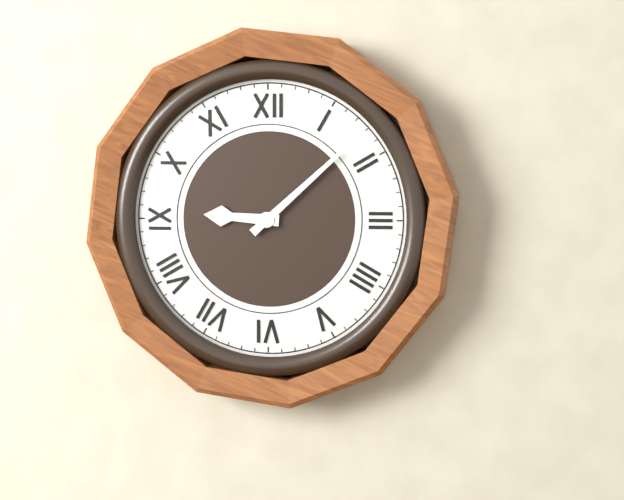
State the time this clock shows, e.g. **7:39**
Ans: **9:08**
